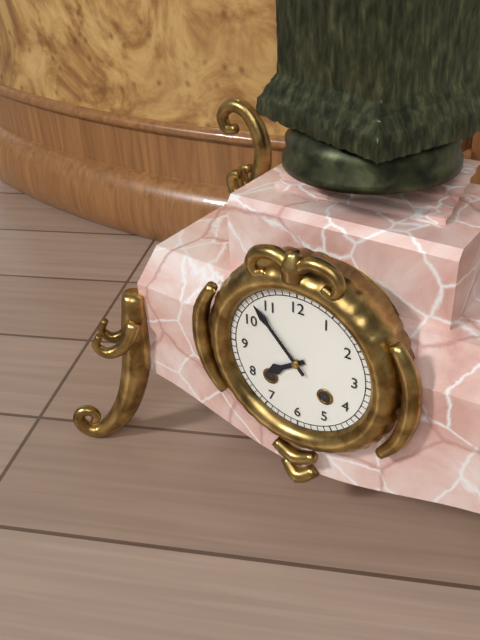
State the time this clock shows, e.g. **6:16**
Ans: **7:53**
